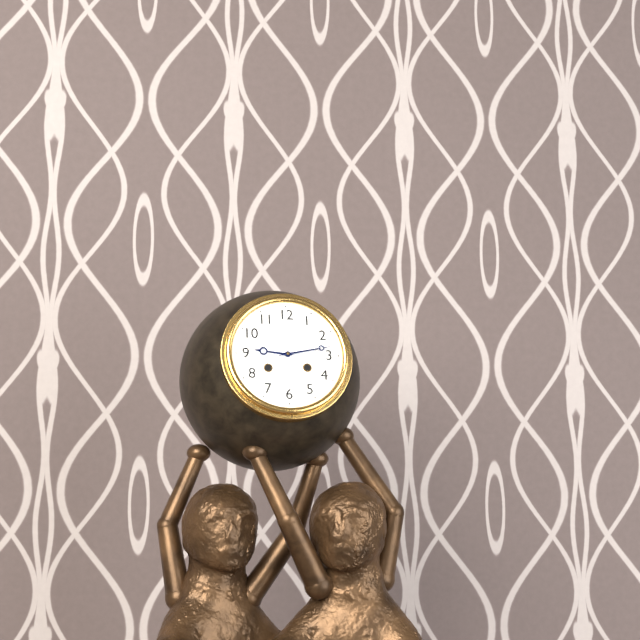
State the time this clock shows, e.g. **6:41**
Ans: **9:13**
